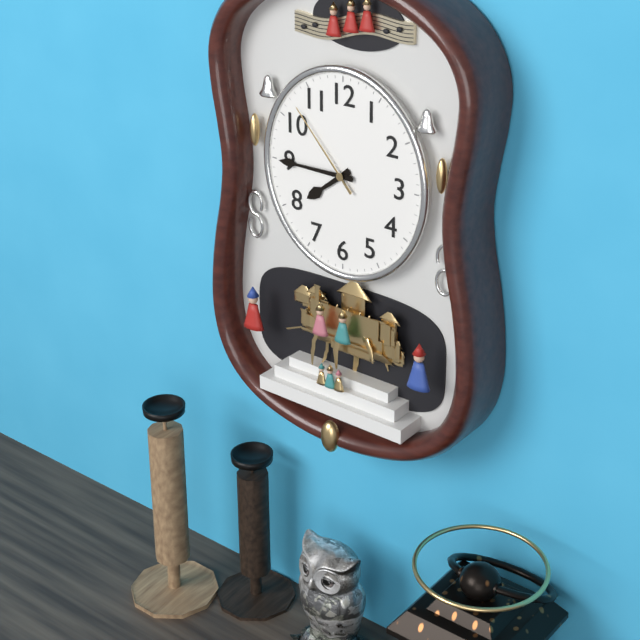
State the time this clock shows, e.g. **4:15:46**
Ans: **7:45:53**
